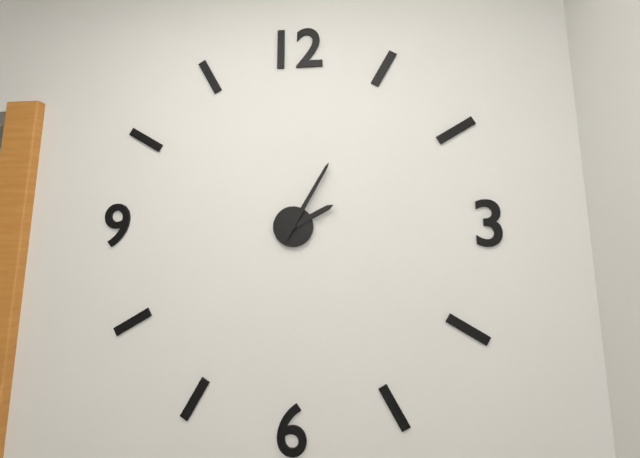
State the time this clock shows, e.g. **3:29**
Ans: **2:05**
